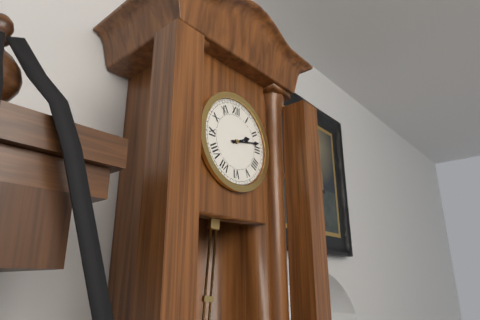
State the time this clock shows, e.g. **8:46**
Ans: **2:13**
